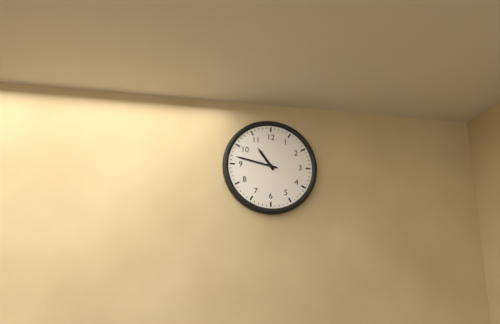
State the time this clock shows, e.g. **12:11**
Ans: **10:47**
